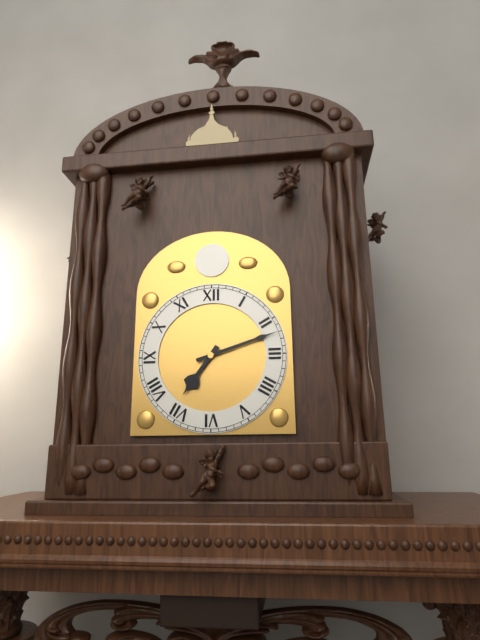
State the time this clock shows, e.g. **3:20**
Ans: **7:12**
